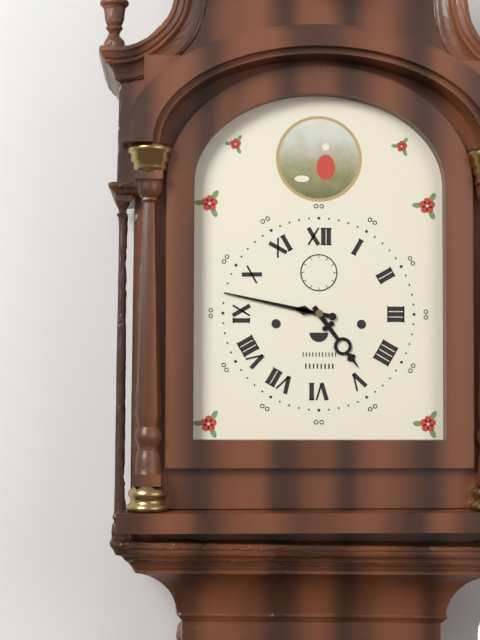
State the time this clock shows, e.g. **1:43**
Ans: **4:47**
